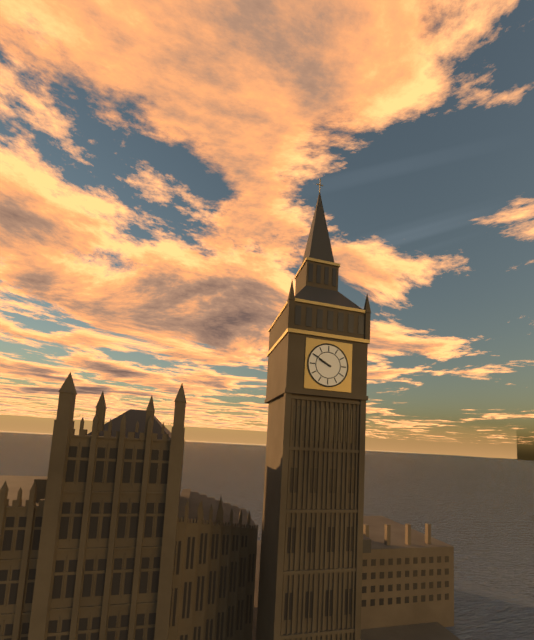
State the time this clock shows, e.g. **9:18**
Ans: **9:50**
